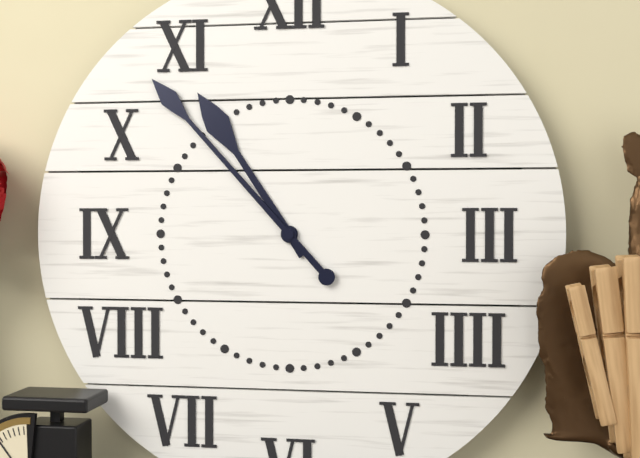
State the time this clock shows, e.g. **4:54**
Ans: **10:53**
